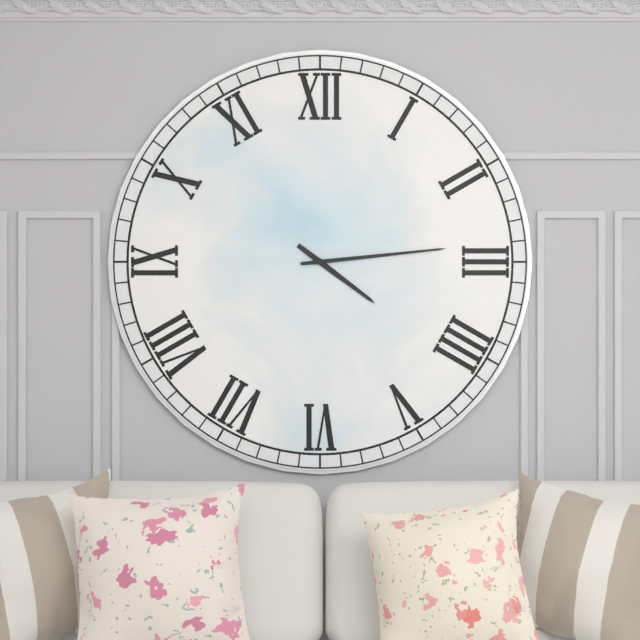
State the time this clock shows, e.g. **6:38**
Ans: **4:14**
